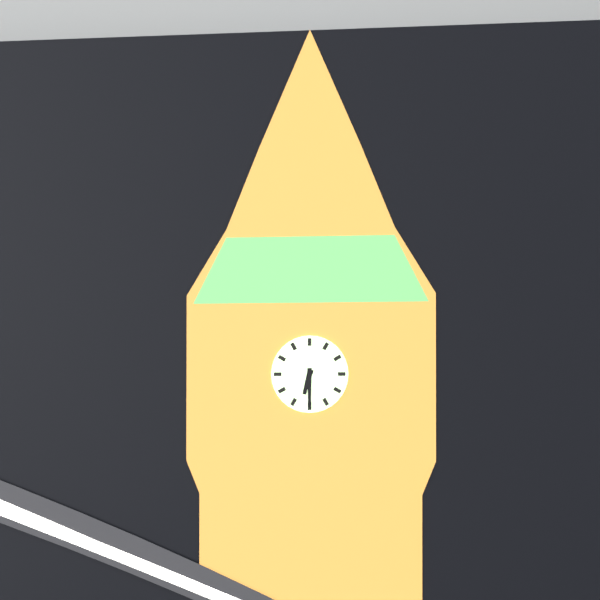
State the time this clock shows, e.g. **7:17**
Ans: **6:30**
